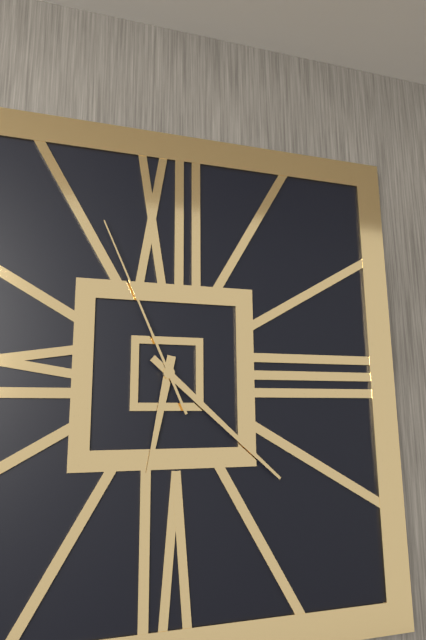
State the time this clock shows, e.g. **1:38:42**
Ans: **6:22:56**
